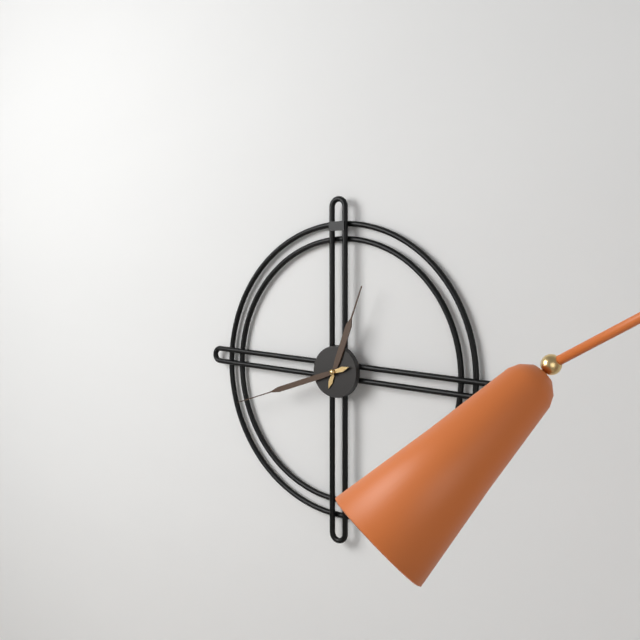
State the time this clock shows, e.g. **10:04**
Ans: **12:42**
